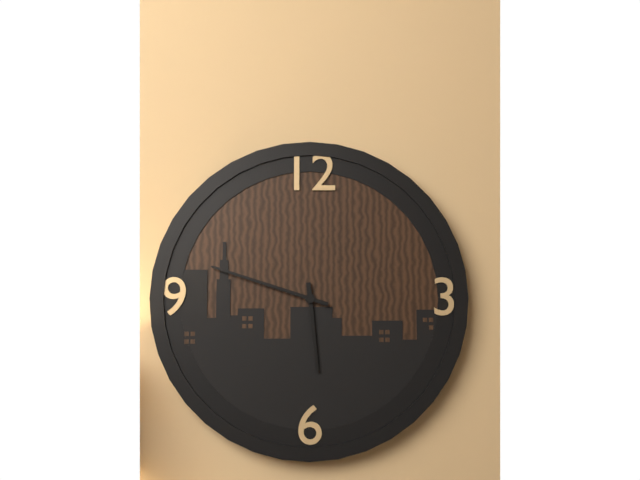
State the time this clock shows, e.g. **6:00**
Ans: **5:48**
